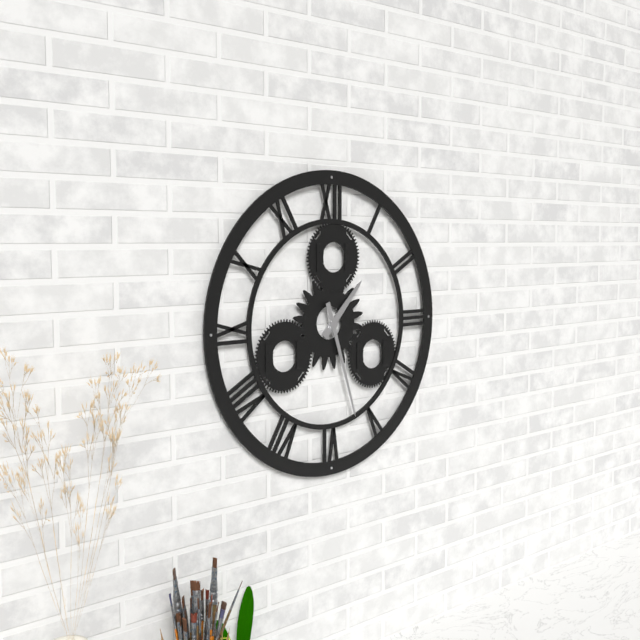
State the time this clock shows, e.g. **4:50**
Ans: **1:27**
